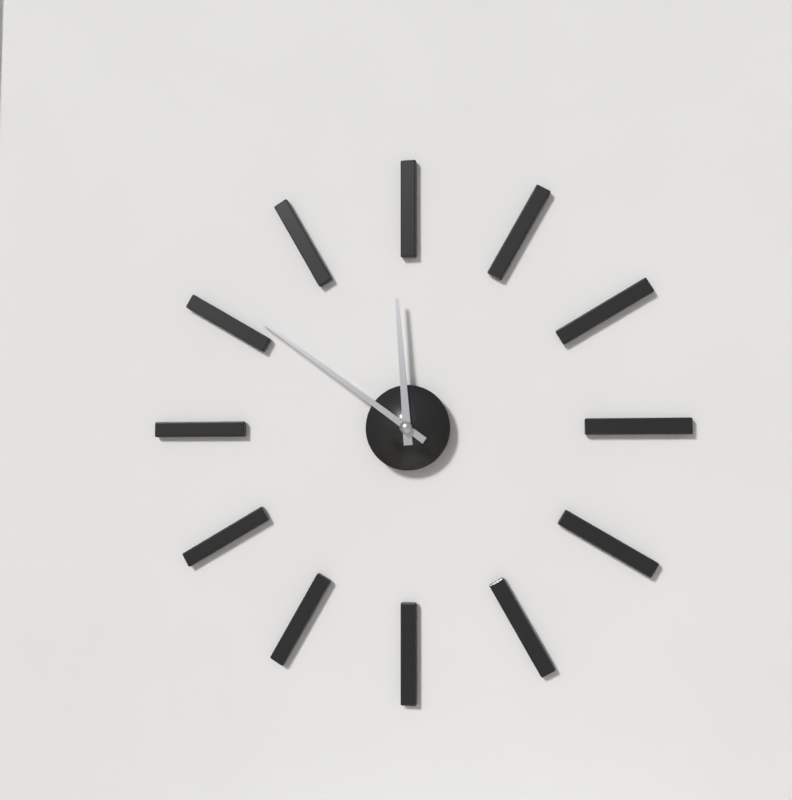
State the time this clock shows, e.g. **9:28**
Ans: **11:51**
